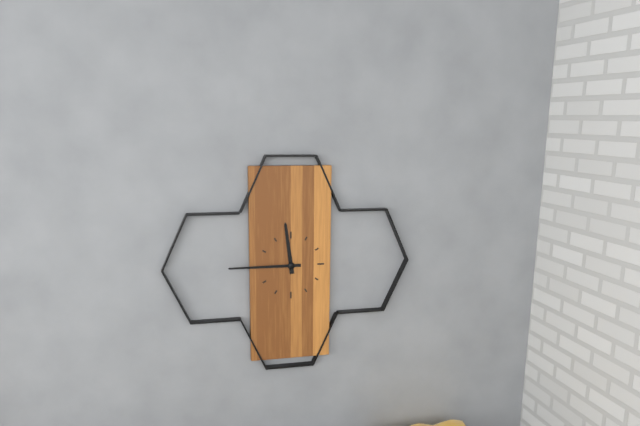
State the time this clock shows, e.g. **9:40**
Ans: **11:45**
